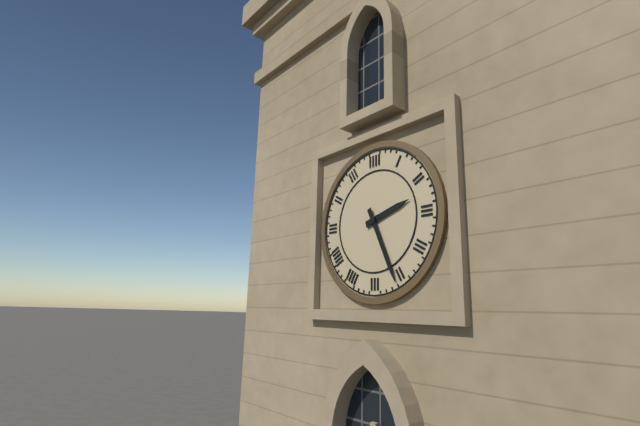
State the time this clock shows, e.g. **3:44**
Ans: **2:26**
